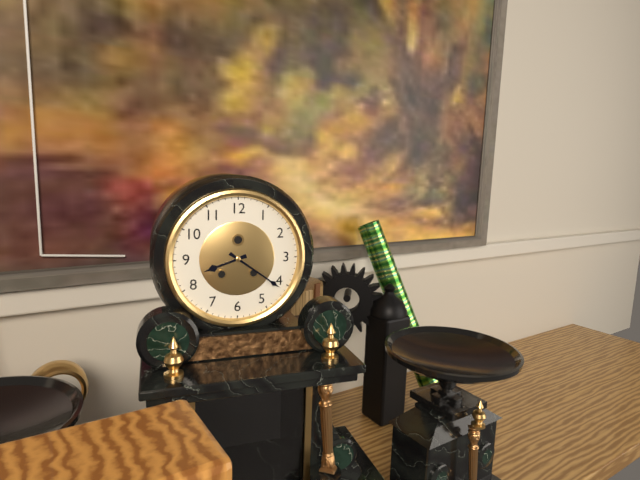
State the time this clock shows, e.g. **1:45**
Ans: **8:21**
